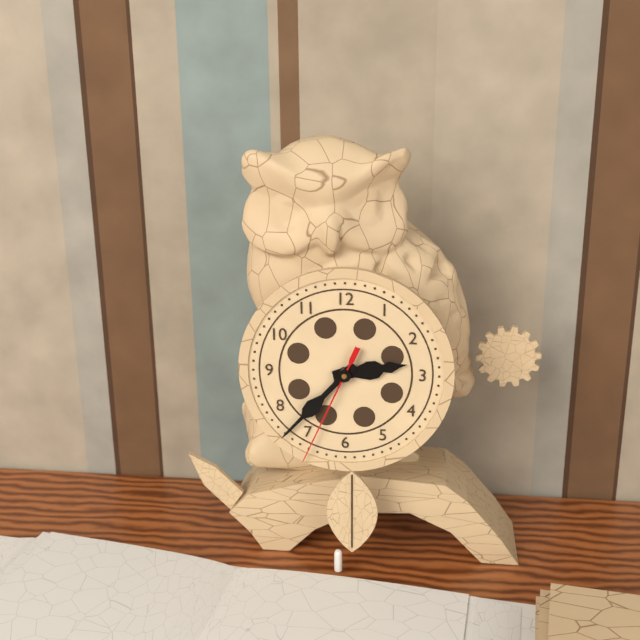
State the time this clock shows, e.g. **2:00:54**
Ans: **2:37:34**
